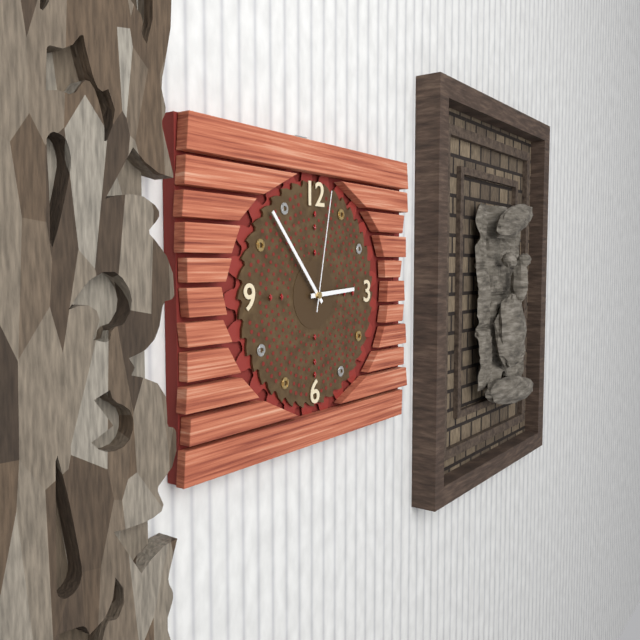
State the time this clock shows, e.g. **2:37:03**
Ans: **2:53:02**
